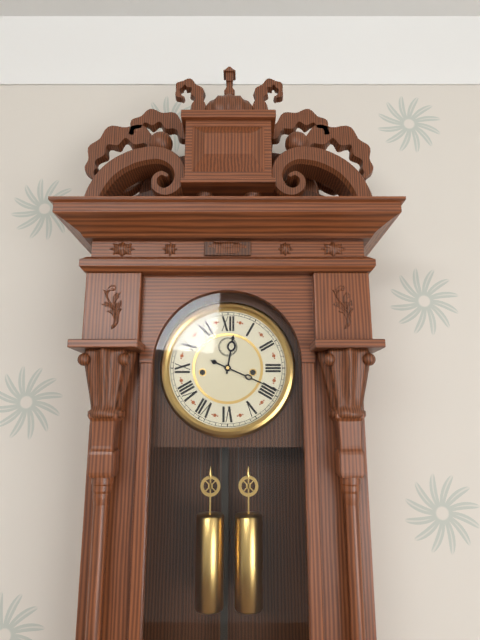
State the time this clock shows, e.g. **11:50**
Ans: **12:19**
